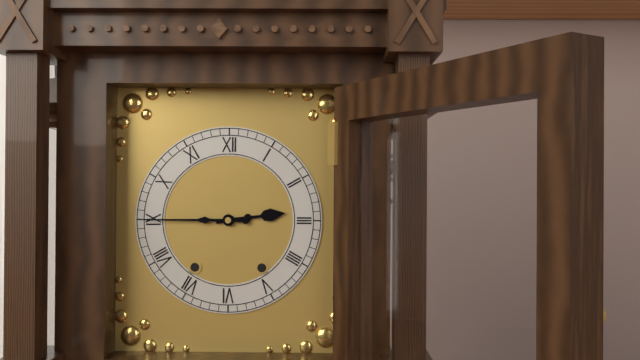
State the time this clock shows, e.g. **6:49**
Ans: **2:45**
